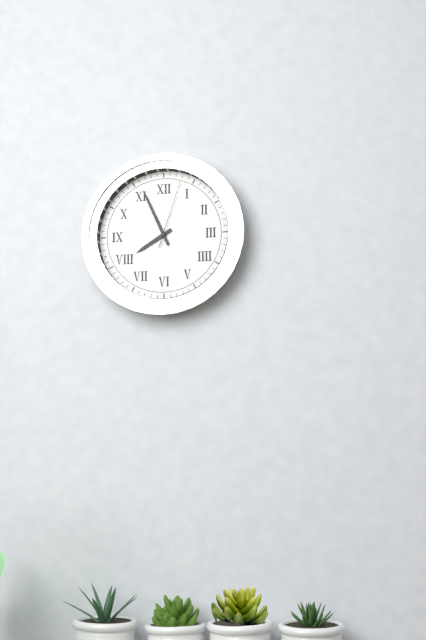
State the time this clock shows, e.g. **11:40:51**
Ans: **7:56:03**
